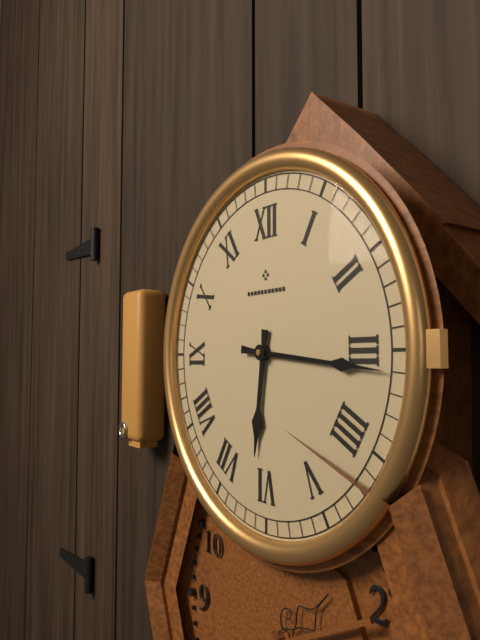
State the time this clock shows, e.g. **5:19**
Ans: **6:16**
